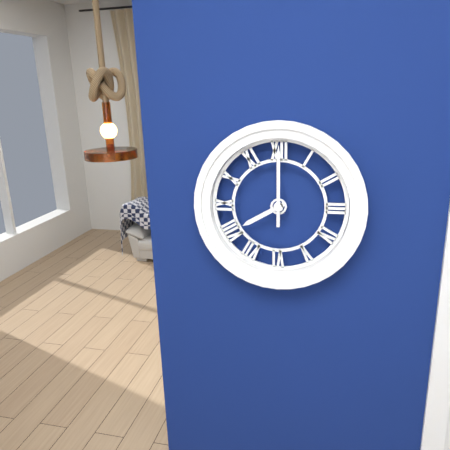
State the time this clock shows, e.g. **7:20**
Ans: **8:00**
